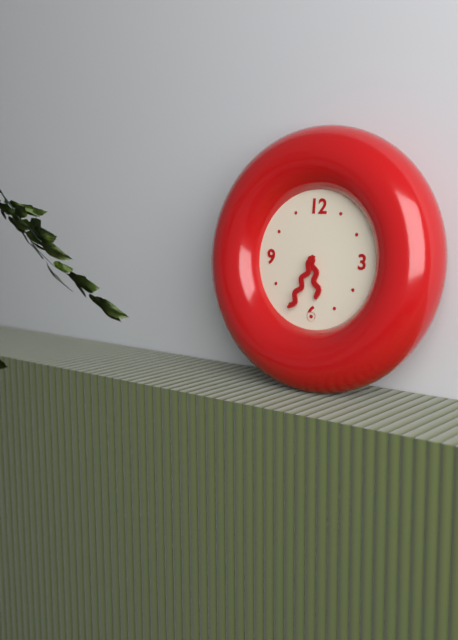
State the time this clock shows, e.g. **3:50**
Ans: **5:34**
